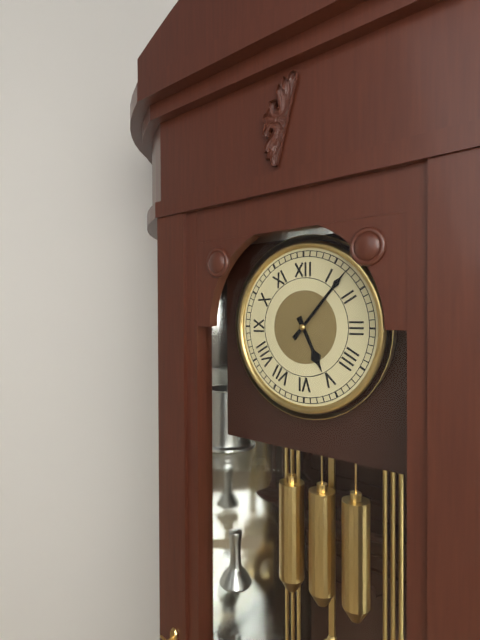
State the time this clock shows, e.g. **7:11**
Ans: **5:07**
